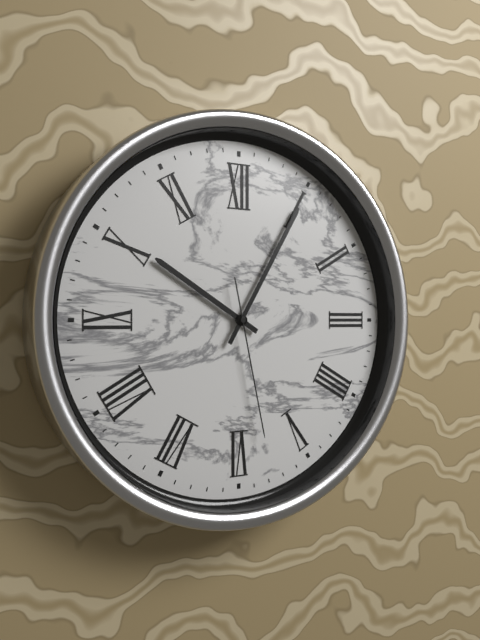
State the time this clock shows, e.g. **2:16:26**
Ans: **10:05:28**
